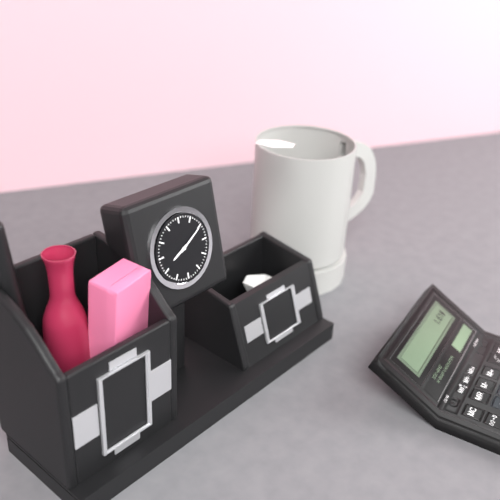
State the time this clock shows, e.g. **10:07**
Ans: **8:10**
